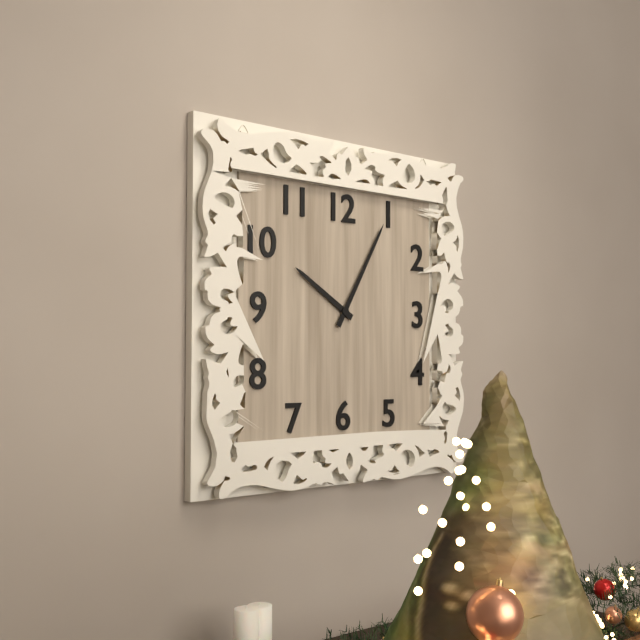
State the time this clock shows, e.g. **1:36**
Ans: **10:05**
